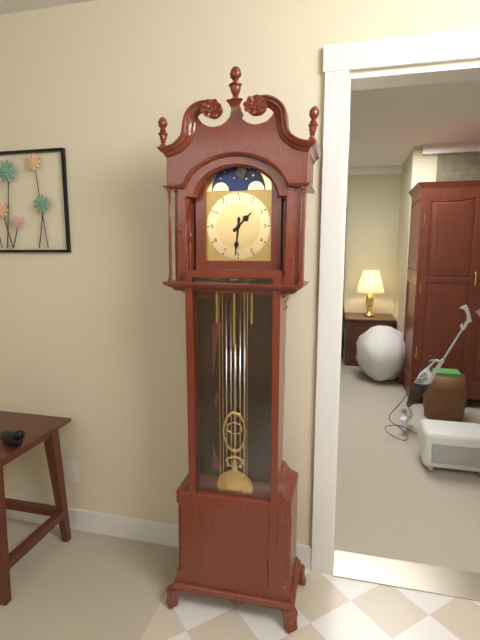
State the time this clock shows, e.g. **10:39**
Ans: **1:31**
